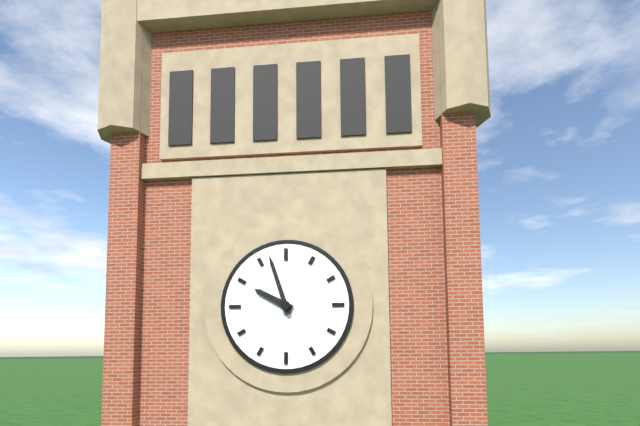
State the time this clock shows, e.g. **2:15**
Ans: **9:57**
